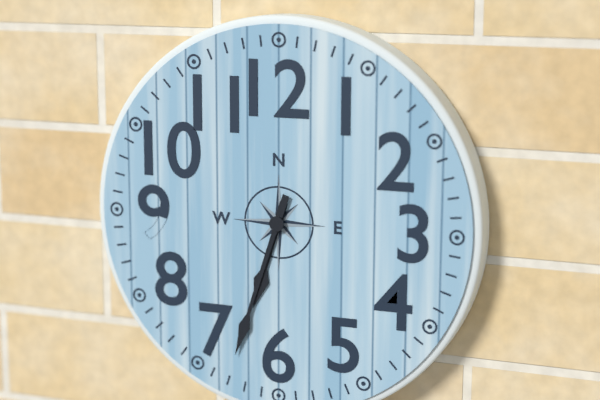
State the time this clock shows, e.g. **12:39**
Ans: **6:33**
